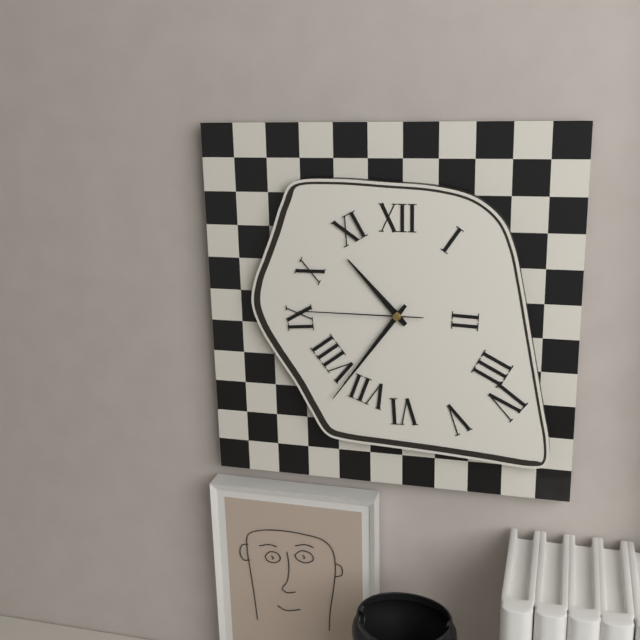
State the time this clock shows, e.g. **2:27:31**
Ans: **10:36:45**
